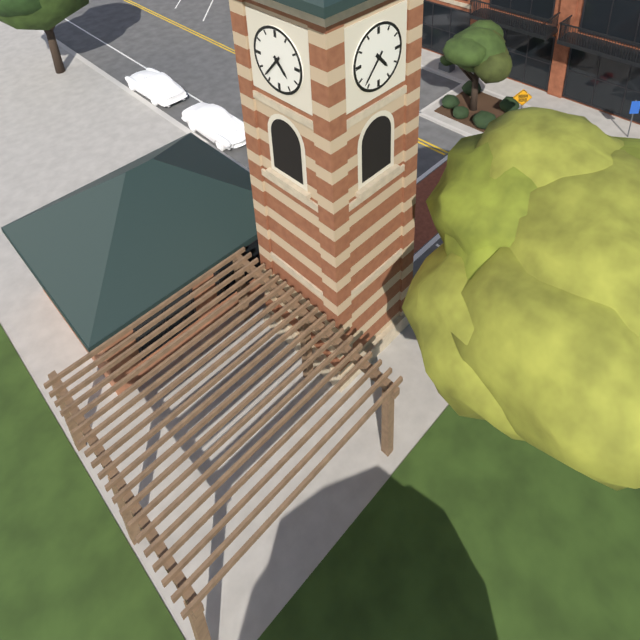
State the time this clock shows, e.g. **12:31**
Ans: **4:37**
